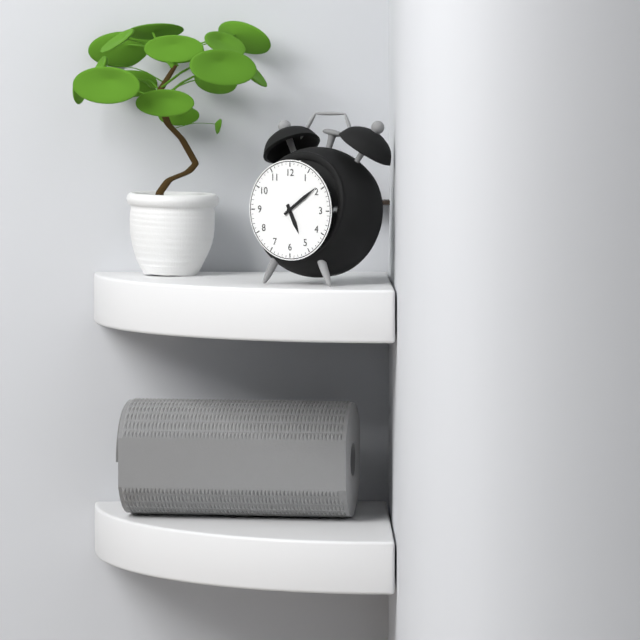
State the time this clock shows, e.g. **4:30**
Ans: **5:09**
